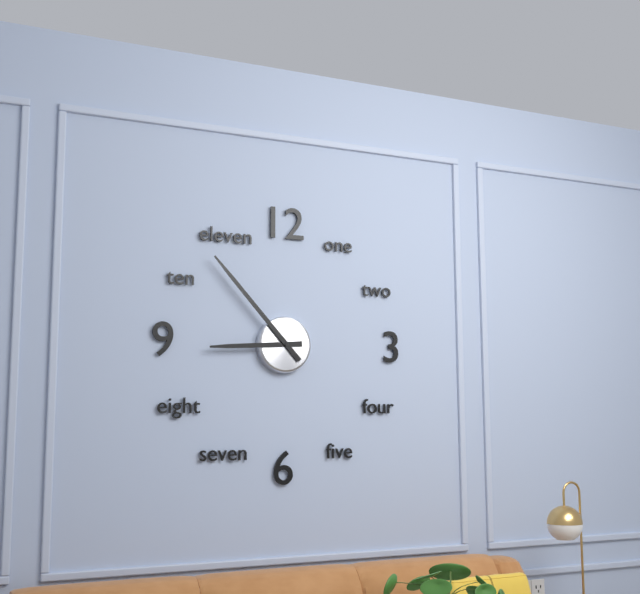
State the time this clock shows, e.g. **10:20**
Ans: **8:53**
